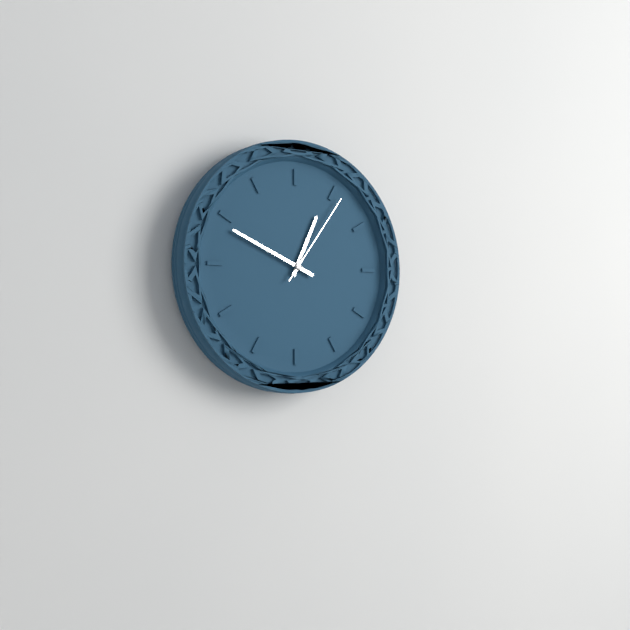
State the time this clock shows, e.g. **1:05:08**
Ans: **12:49:06**
